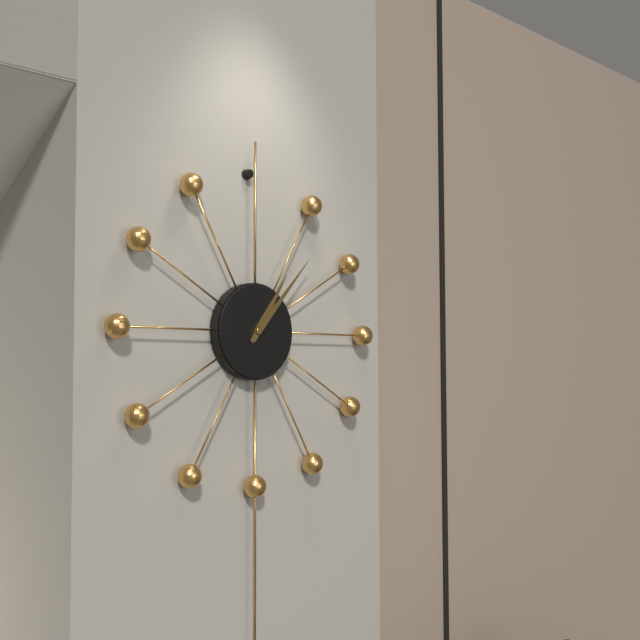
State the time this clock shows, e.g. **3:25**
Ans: **1:07**
